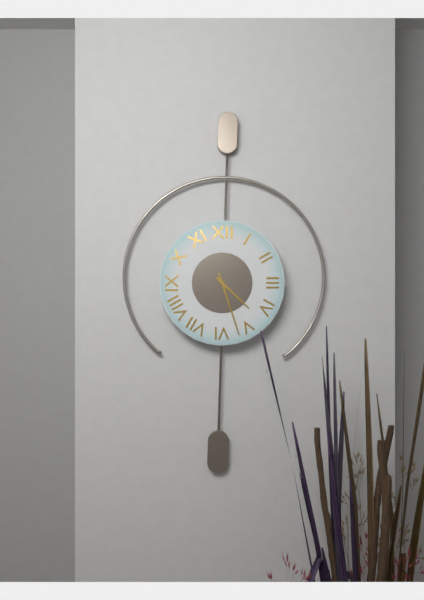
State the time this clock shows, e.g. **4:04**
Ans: **4:27**
